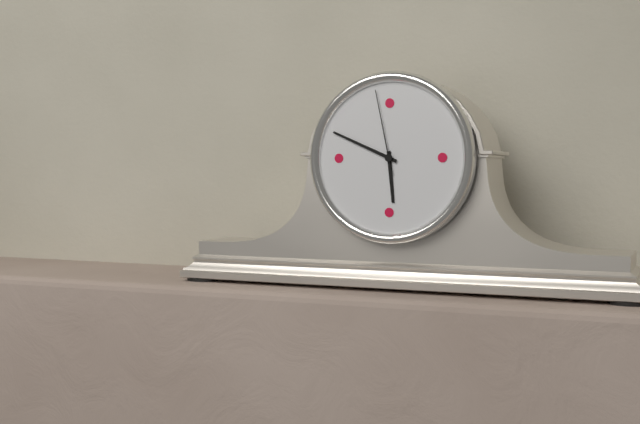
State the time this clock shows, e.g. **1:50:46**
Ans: **5:49:58**
